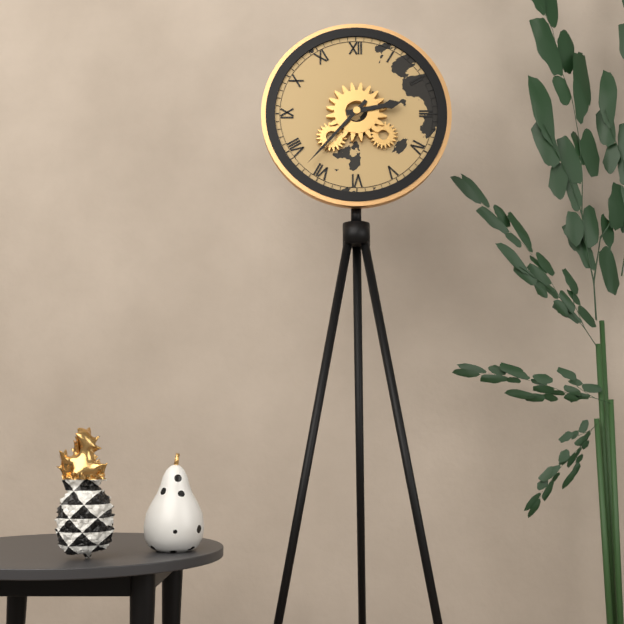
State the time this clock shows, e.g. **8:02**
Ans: **2:37**
